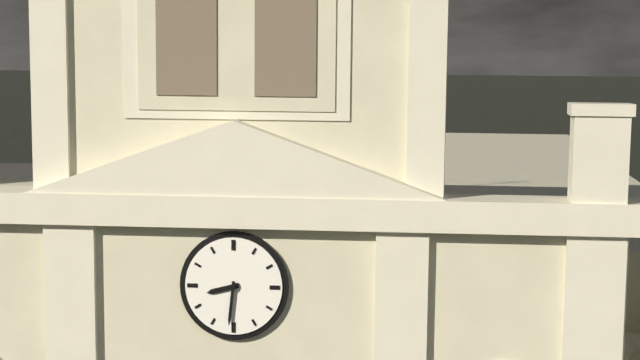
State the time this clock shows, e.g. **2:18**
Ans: **8:31**
